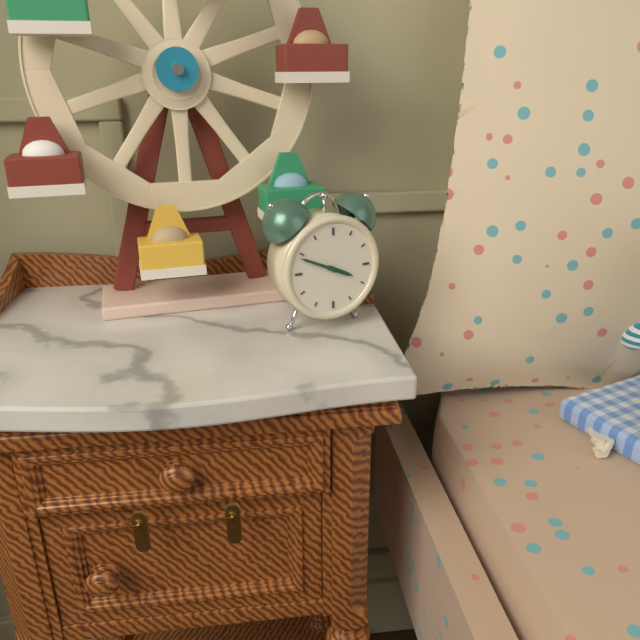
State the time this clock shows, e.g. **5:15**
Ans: **3:49**
